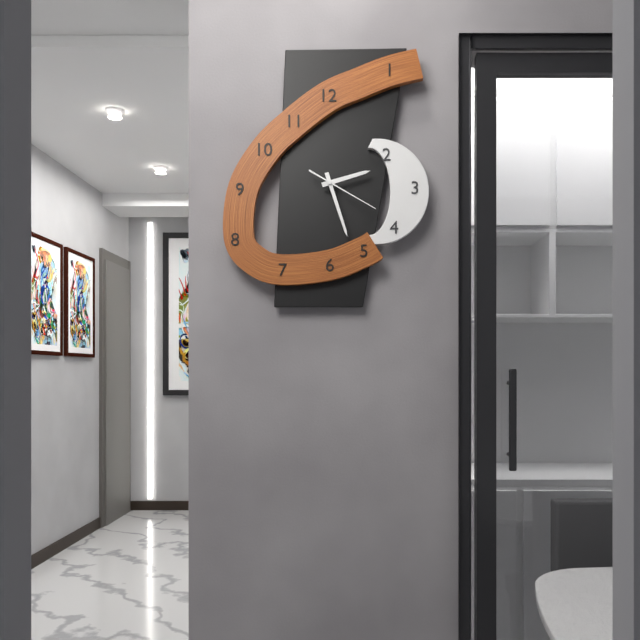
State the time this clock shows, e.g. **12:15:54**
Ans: **2:27:20**
